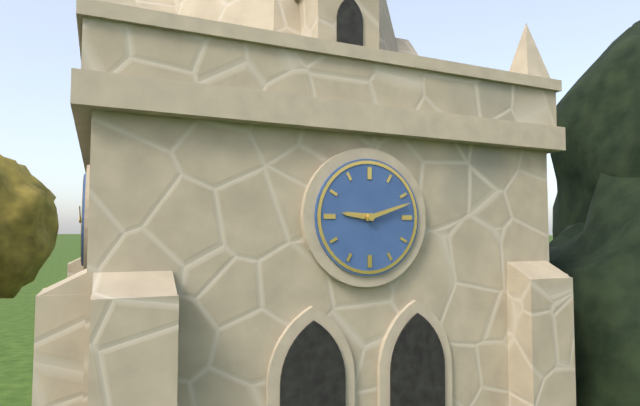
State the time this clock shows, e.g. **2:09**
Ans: **9:12**
